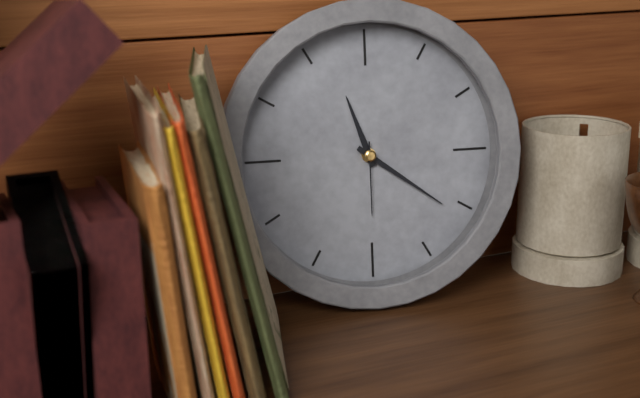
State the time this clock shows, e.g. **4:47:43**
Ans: **11:21:30**
